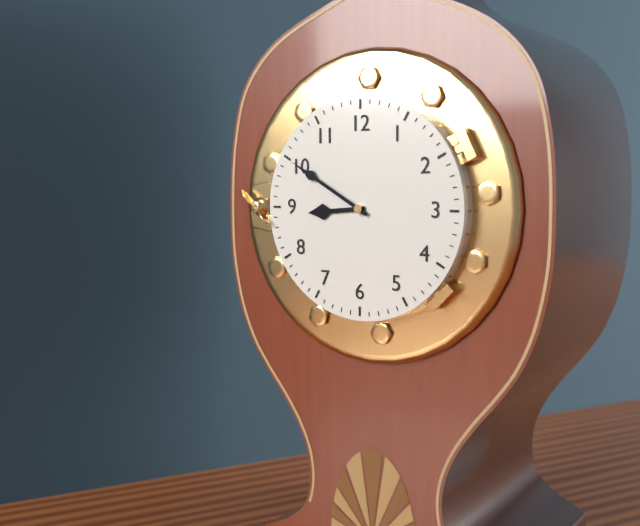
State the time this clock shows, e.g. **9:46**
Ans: **8:50**
